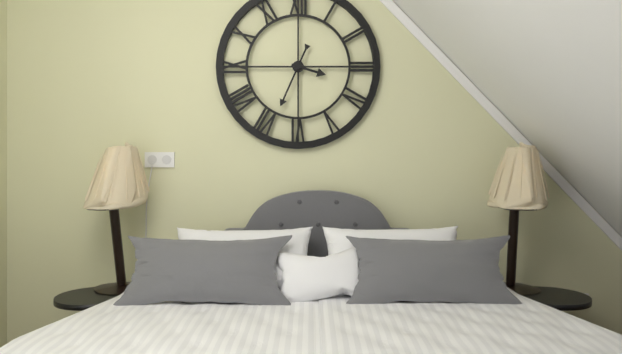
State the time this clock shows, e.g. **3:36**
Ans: **3:34**
